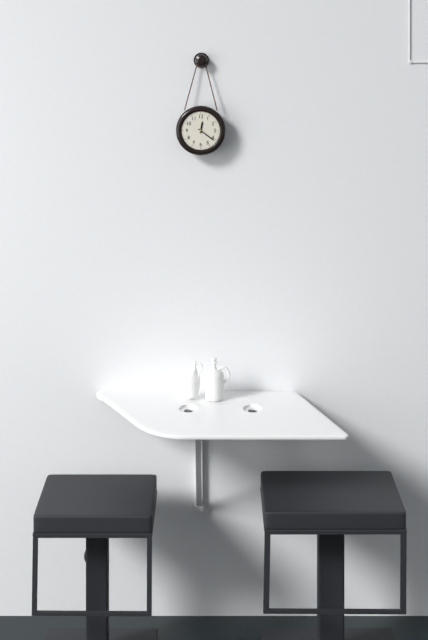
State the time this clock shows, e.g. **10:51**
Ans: **12:21**
